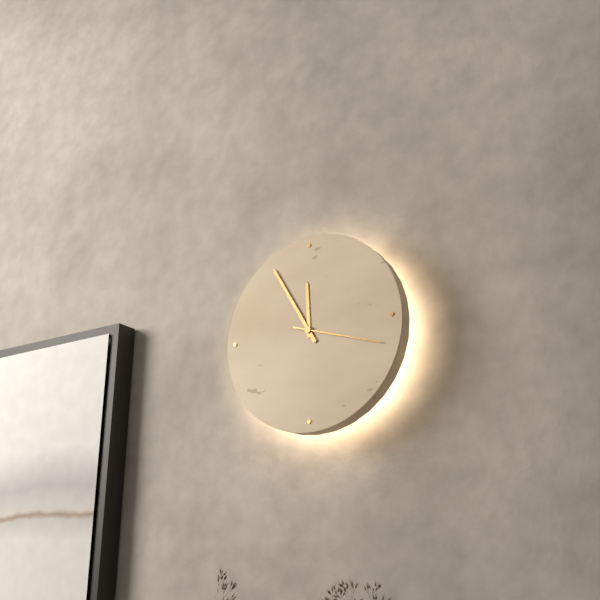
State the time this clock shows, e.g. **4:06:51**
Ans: **11:55:18**
